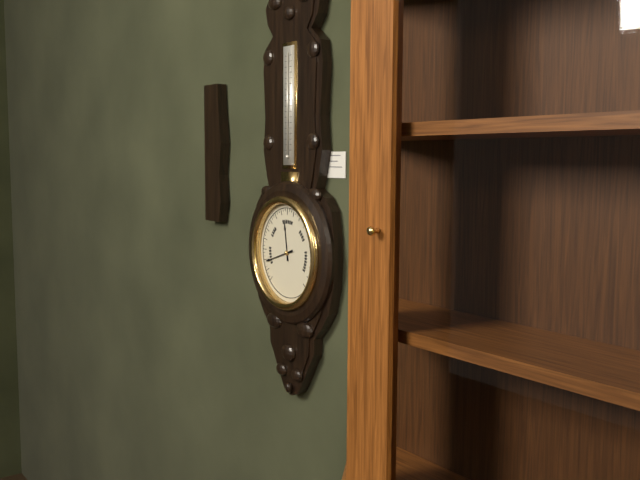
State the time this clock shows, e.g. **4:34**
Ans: **11:42**
